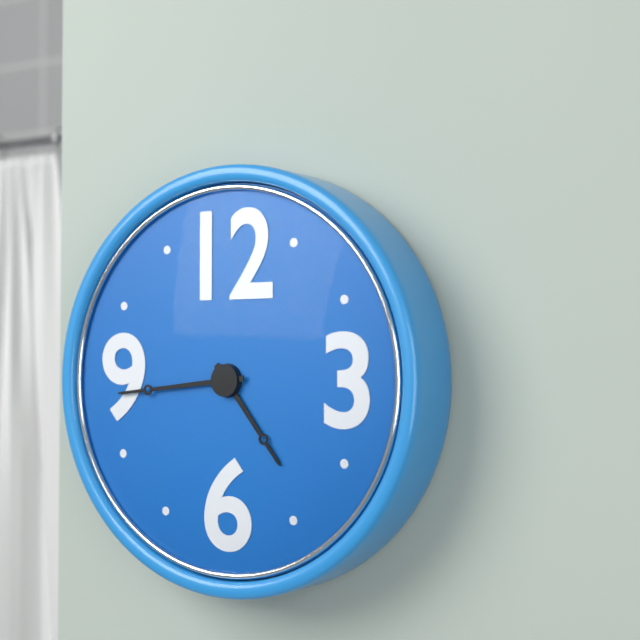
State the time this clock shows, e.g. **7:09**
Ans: **4:44**
